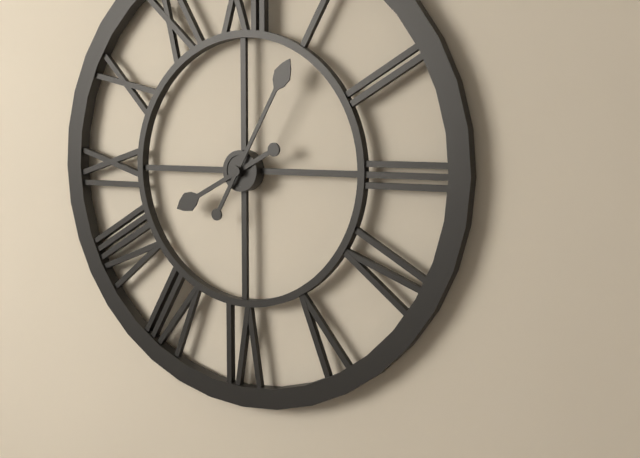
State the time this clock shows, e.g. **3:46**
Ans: **8:05**
